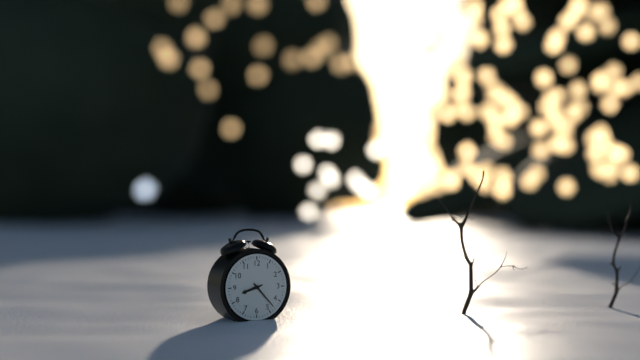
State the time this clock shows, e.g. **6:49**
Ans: **8:23**
